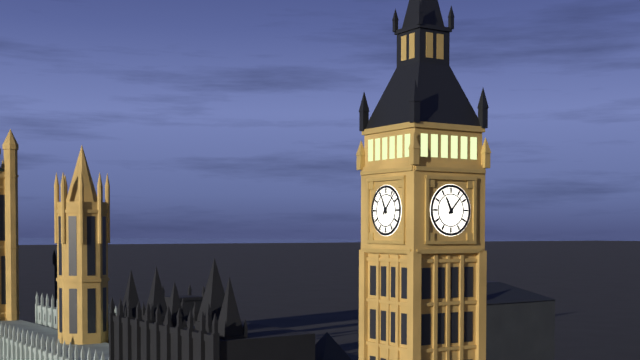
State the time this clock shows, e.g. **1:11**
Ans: **11:07**
